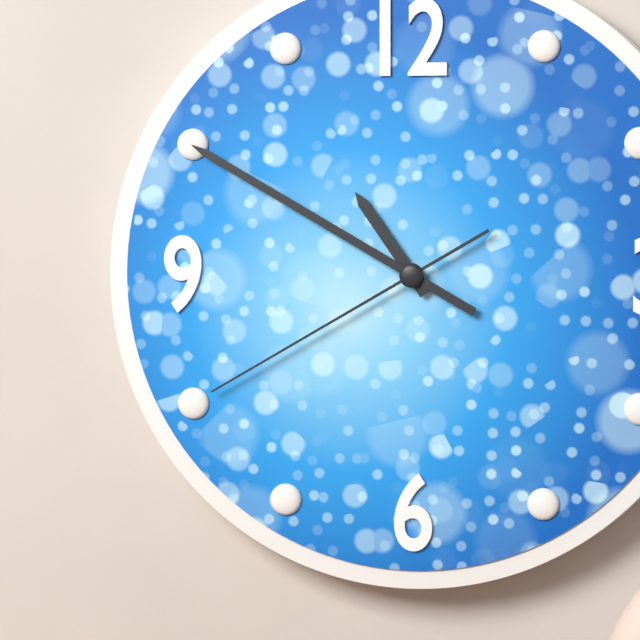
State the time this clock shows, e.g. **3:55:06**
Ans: **10:50:40**
